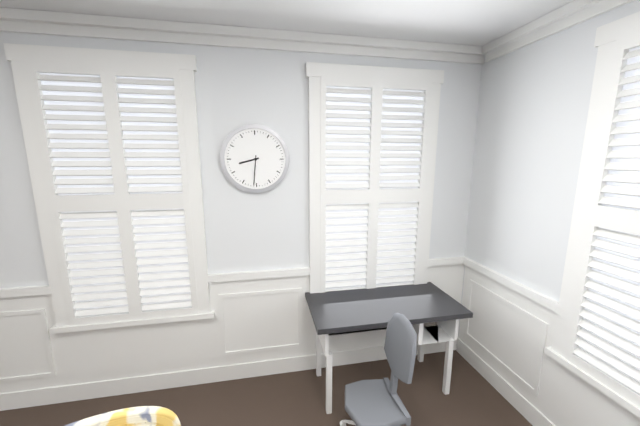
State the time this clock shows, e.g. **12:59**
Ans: **8:31**
